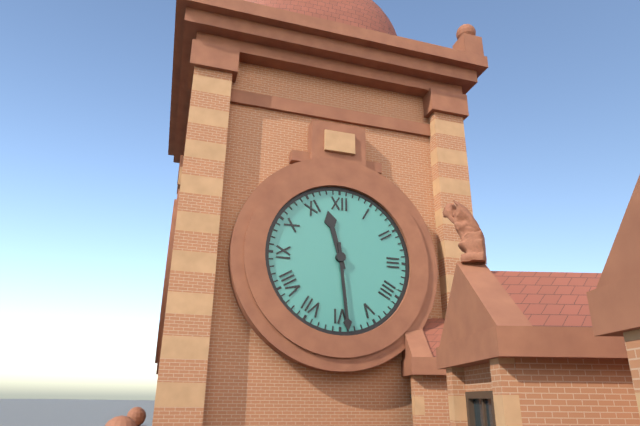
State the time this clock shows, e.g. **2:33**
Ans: **11:29**
